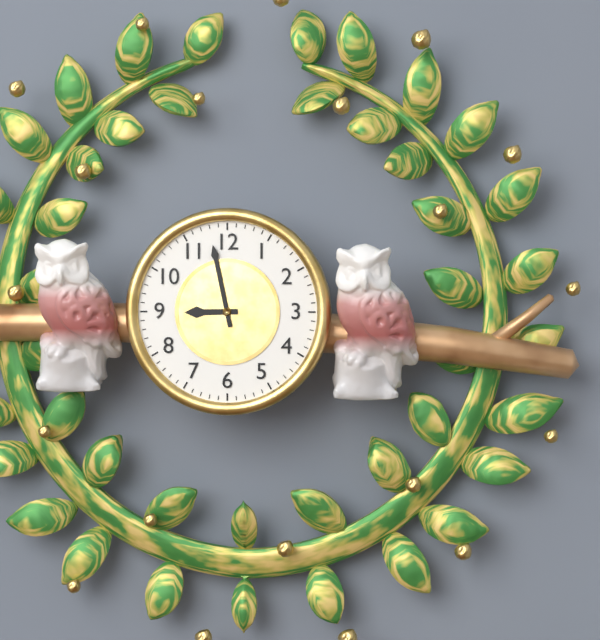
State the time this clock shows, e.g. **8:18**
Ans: **8:58**
